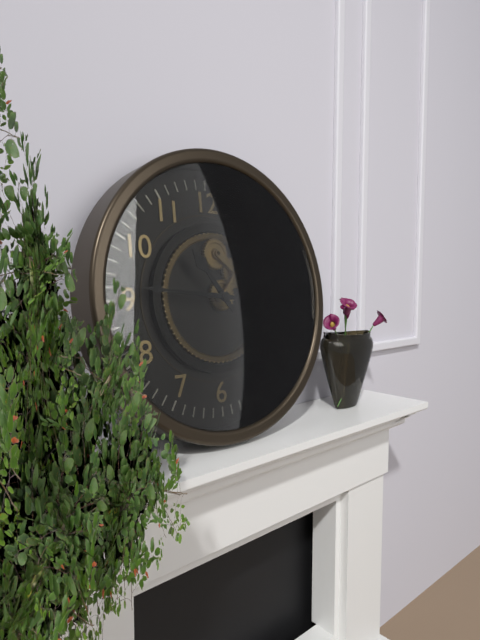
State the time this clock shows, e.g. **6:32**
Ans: **10:46**
